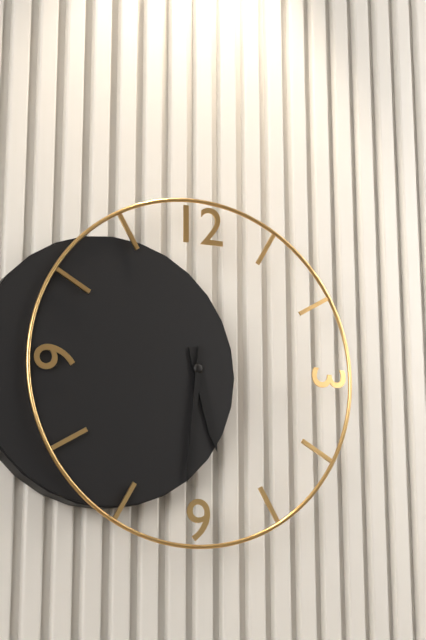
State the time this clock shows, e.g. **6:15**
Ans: **5:31**
